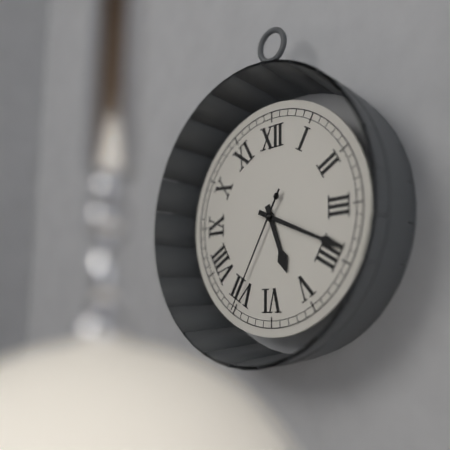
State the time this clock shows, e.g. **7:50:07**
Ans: **5:19:35**
